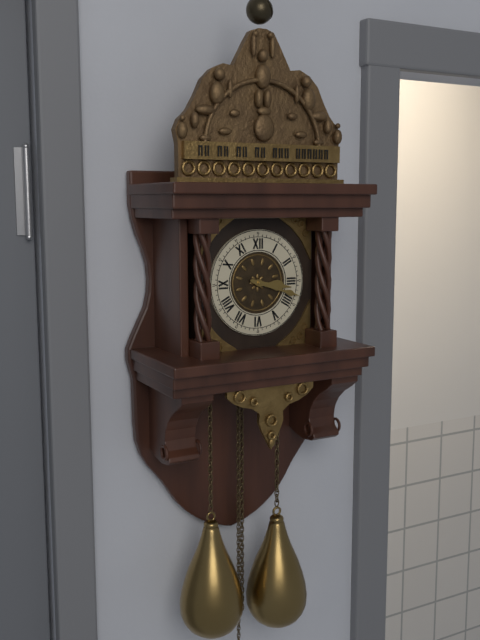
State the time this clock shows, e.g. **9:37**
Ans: **3:18**
